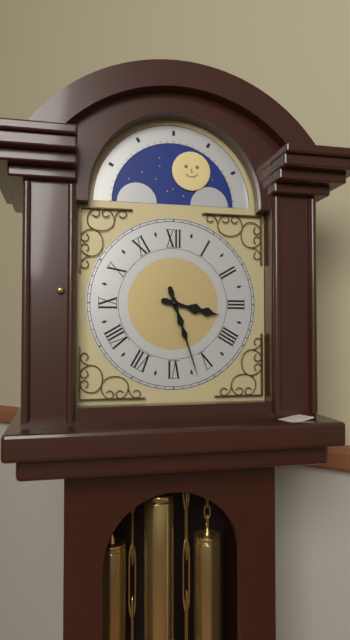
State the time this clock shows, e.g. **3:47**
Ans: **3:27**
